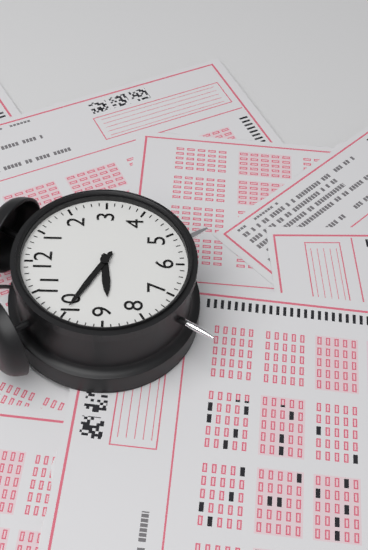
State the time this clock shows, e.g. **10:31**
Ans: **8:50**
